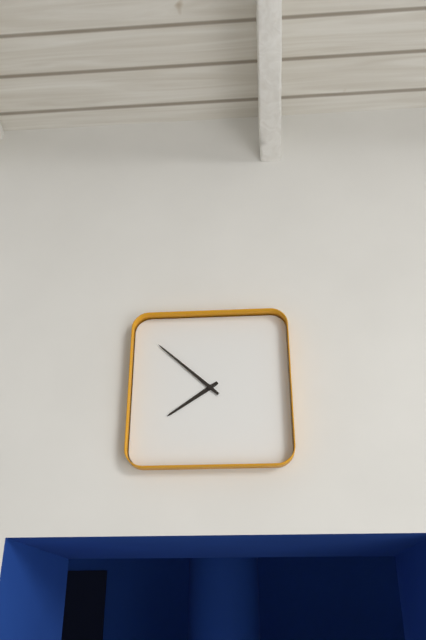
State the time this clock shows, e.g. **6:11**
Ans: **7:52**
